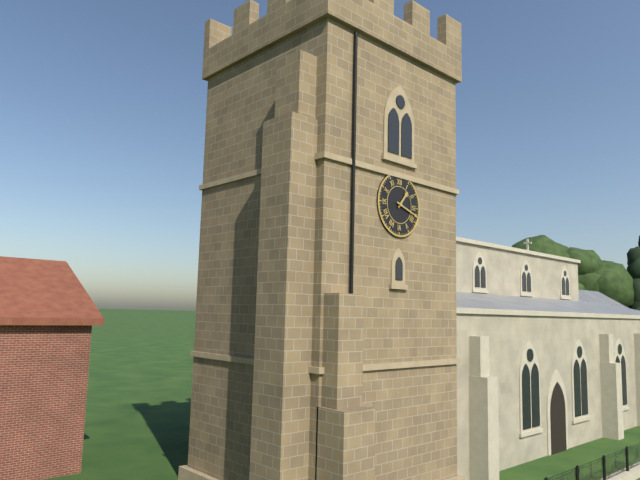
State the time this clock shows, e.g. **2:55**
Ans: **1:18**
